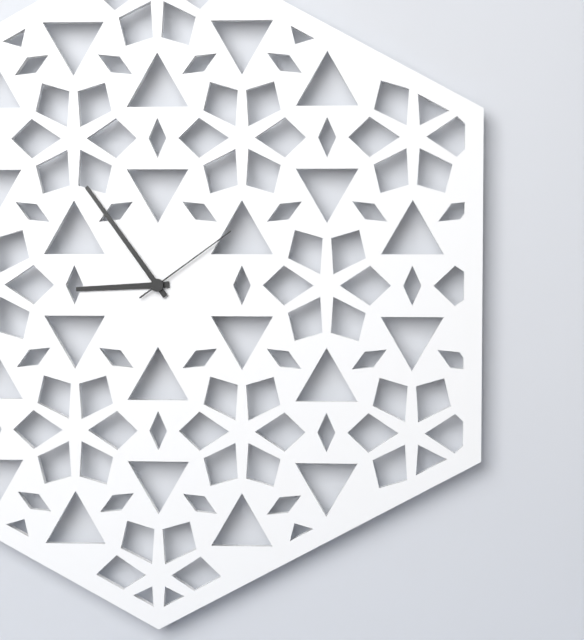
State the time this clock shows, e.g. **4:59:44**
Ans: **8:54:09**
